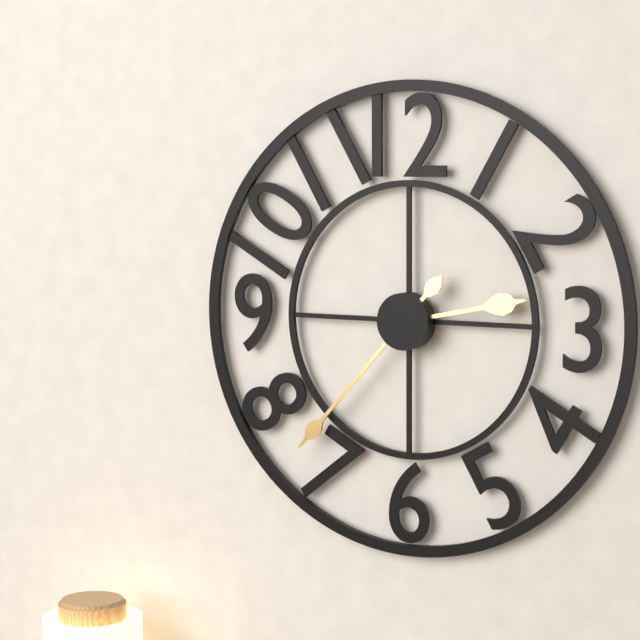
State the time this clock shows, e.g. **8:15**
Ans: **2:37**
